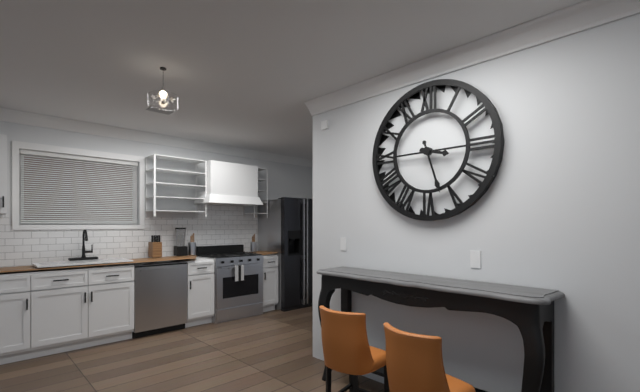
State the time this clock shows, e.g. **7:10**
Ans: **3:27**
